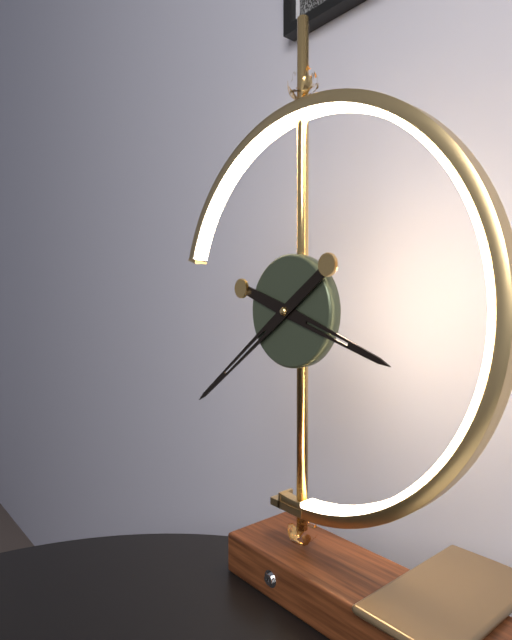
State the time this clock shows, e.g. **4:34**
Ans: **3:39**
